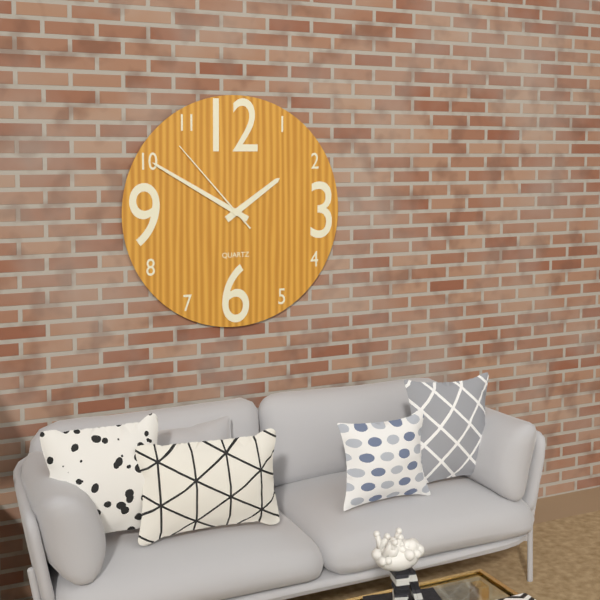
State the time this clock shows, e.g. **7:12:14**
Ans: **1:50:53**
